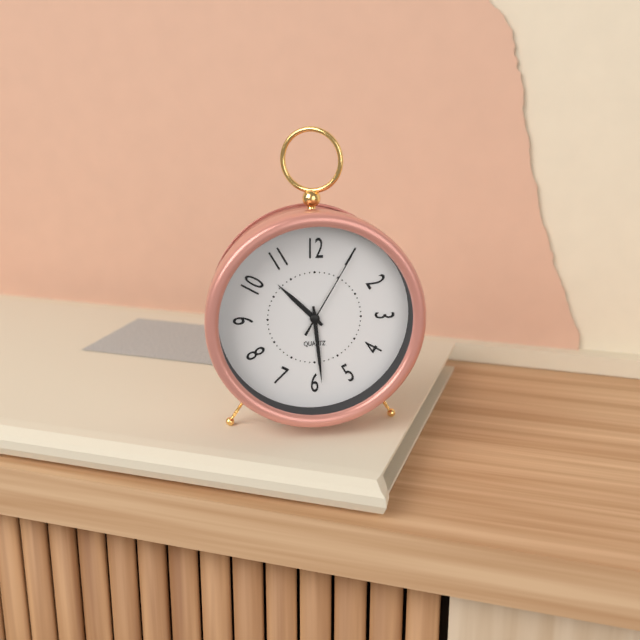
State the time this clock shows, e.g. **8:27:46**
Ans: **10:29:05**
